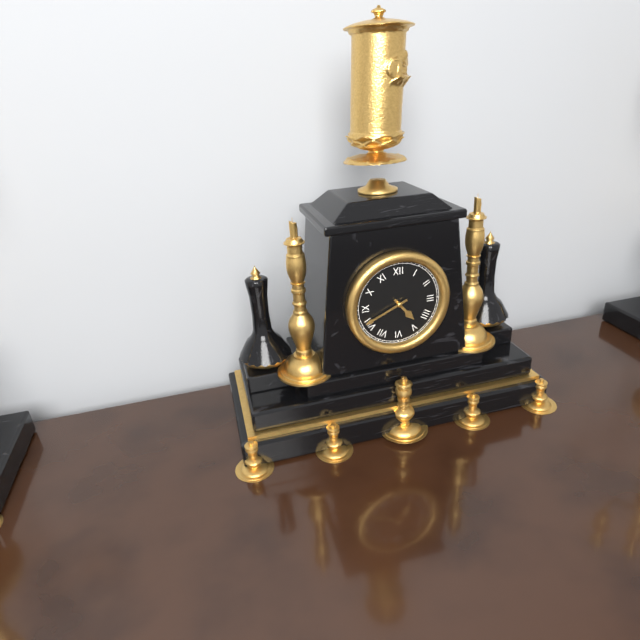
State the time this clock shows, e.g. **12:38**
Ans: **4:41**
